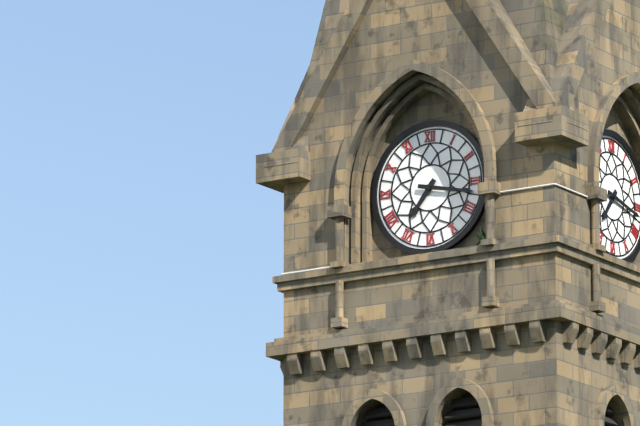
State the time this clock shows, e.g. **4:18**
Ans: **7:17**
